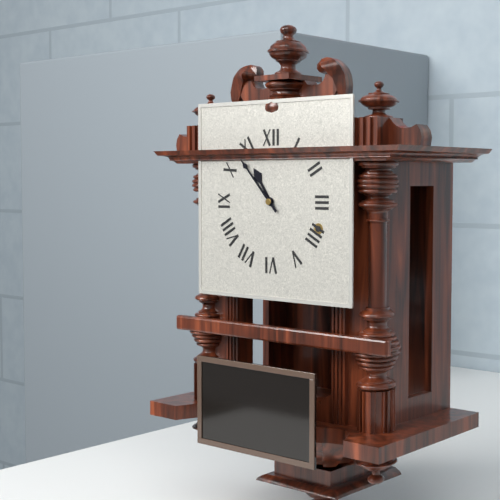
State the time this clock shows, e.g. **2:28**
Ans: **10:53**
